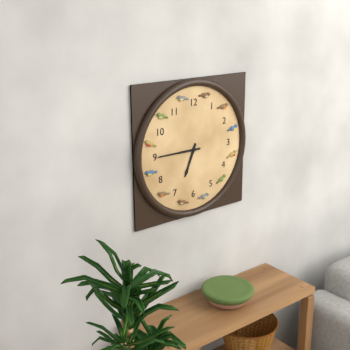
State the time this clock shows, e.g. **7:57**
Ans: **6:45**
